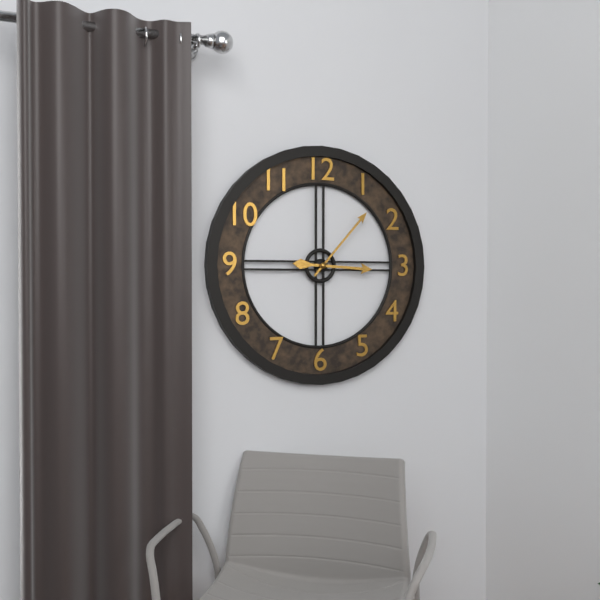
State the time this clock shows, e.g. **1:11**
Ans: **3:07**
